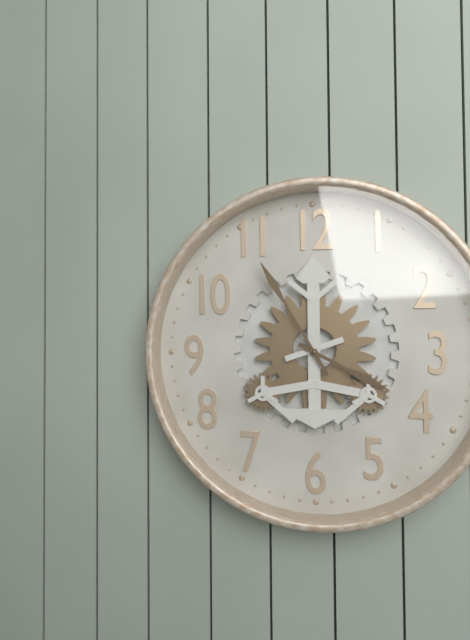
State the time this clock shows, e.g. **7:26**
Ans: **3:55**
